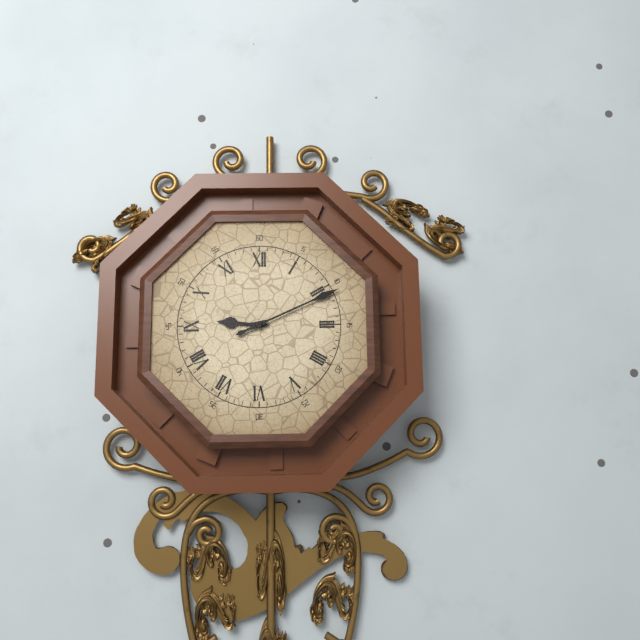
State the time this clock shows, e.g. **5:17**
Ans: **9:11**
